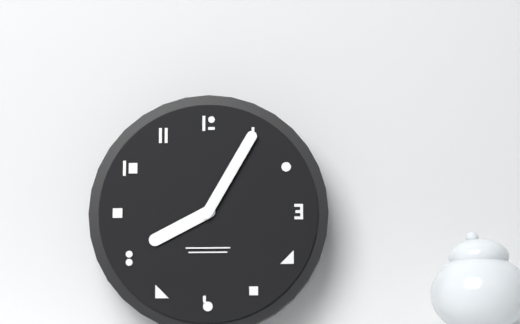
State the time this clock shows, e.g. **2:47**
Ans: **8:05**
